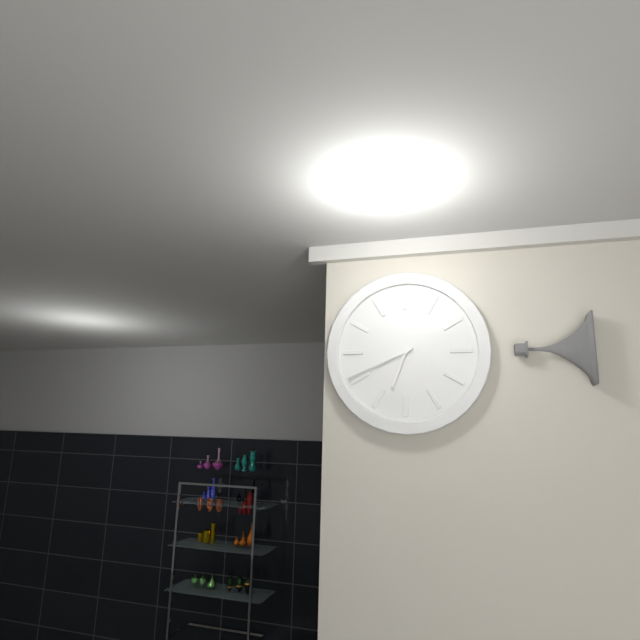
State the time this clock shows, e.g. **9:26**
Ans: **6:41**
